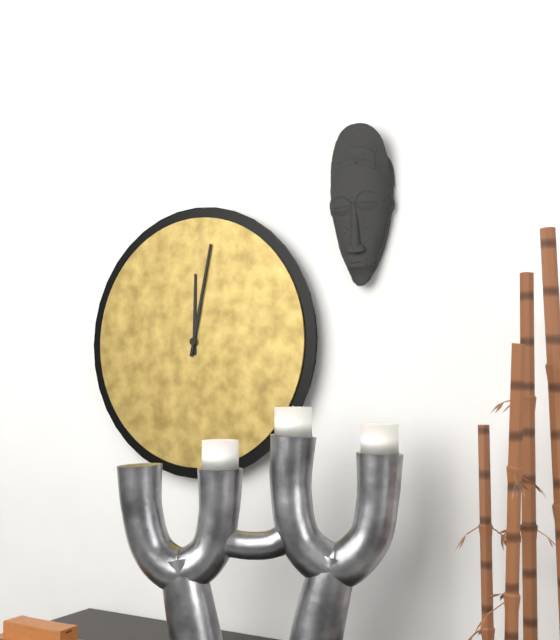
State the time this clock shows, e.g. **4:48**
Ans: **12:02**
